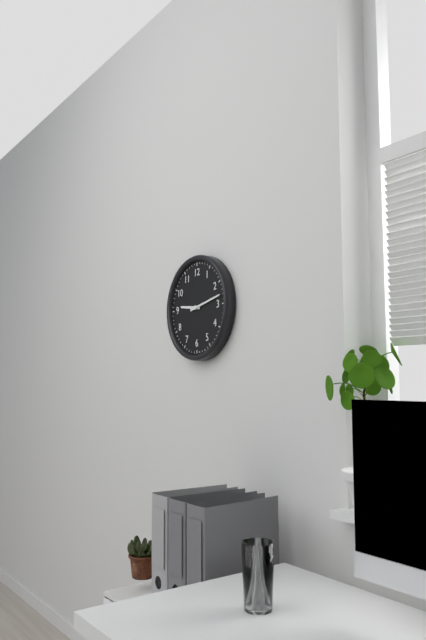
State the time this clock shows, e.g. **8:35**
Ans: **9:13**
